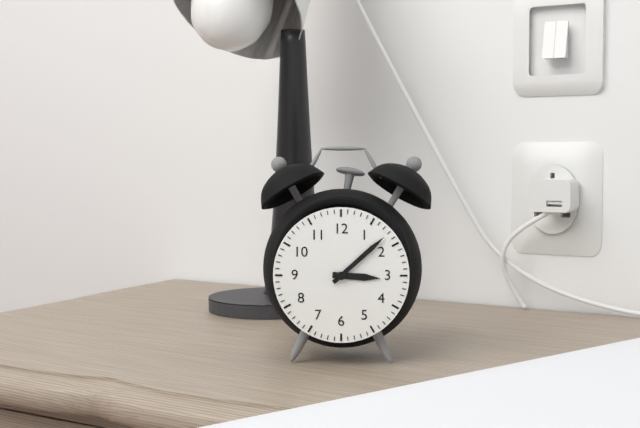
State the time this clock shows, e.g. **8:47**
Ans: **3:08**
